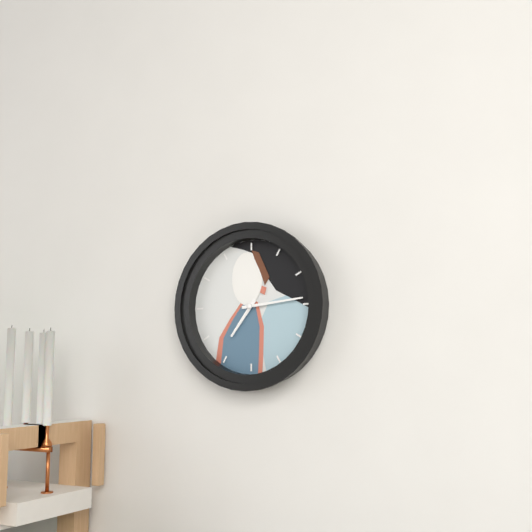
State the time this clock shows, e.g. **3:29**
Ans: **7:14**
